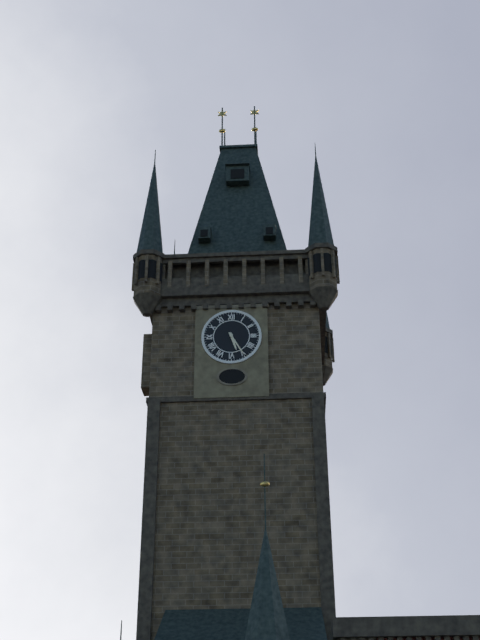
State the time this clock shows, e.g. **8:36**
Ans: **5:25**
